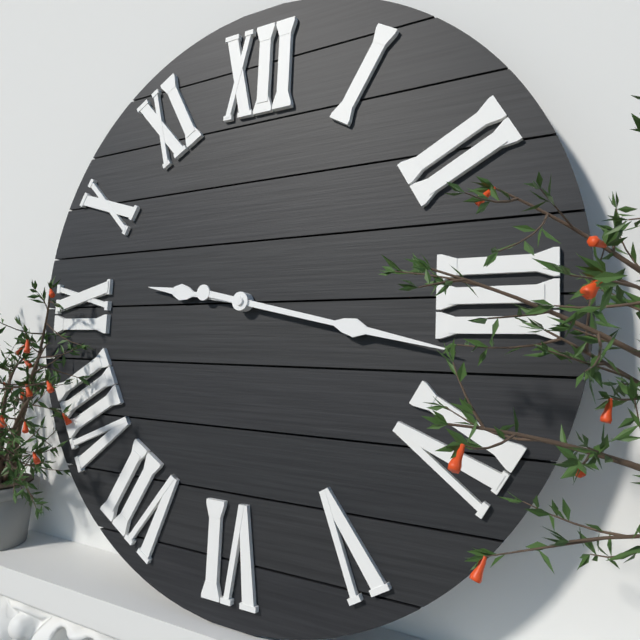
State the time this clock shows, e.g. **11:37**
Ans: **9:17**
